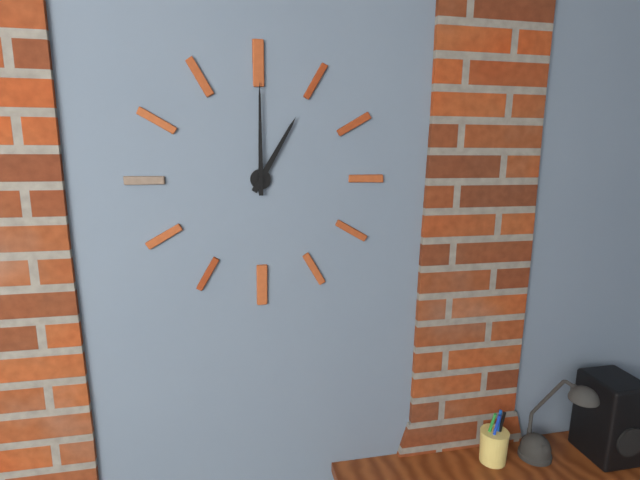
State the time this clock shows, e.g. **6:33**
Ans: **1:00**
